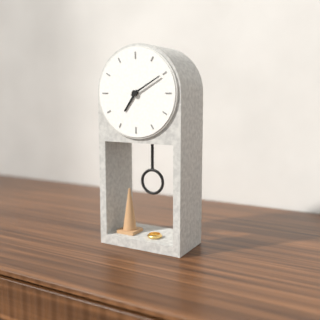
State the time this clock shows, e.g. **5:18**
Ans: **7:10**
